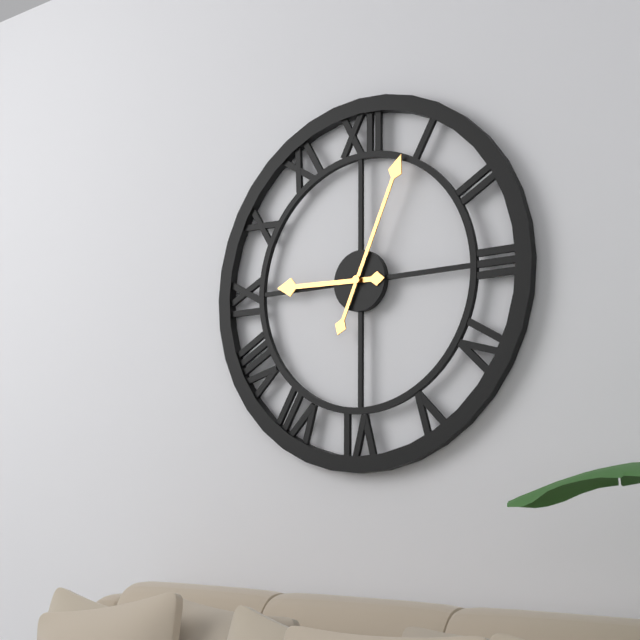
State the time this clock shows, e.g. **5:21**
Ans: **9:04**
